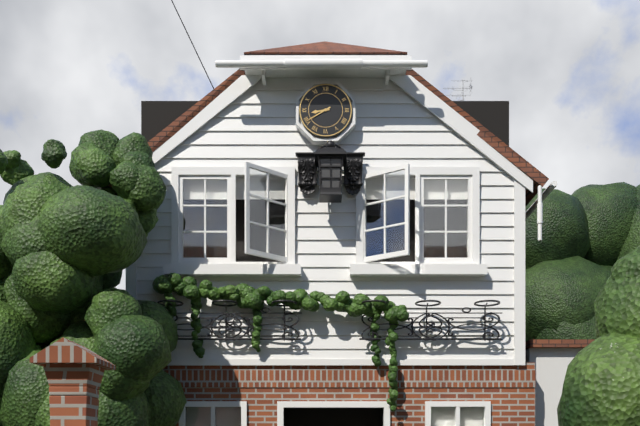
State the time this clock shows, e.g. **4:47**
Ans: **8:40**
